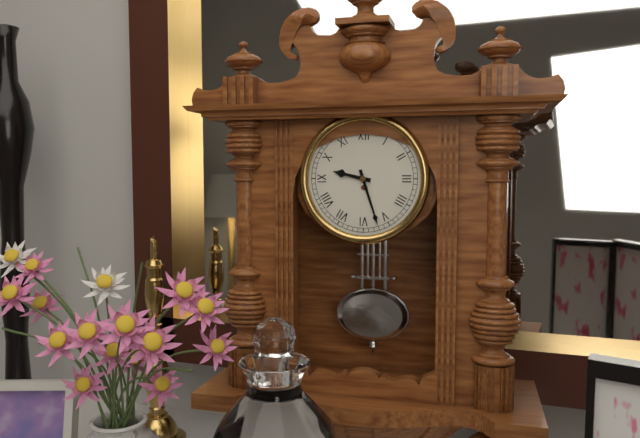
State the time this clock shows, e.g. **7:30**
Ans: **9:27**
